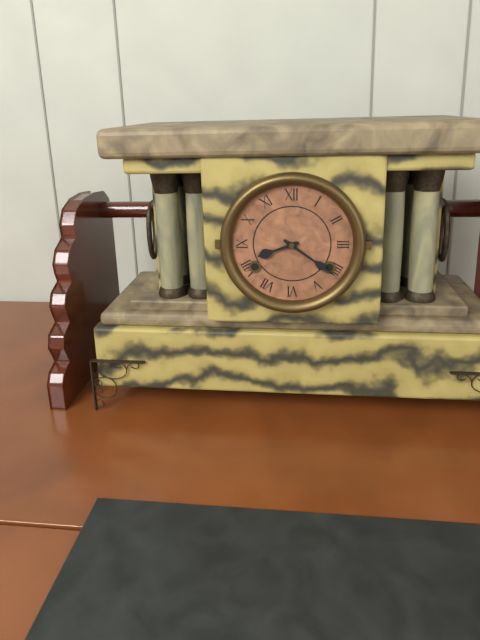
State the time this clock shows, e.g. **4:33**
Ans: **8:21**
